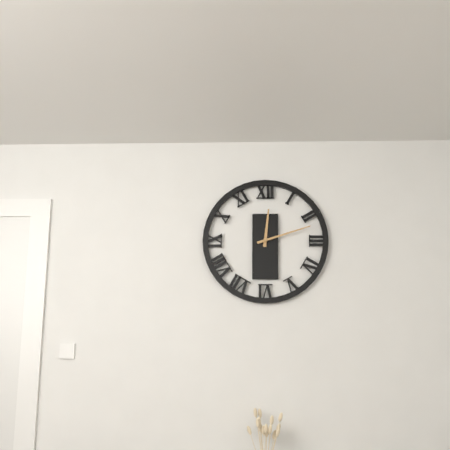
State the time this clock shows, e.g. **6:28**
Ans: **12:12**
